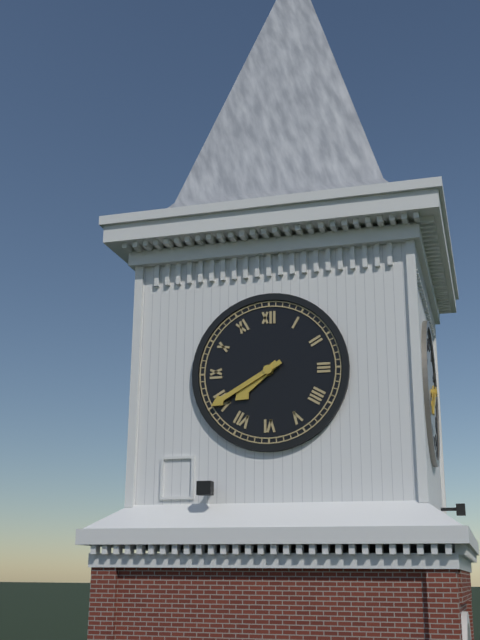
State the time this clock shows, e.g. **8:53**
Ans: **7:40**
